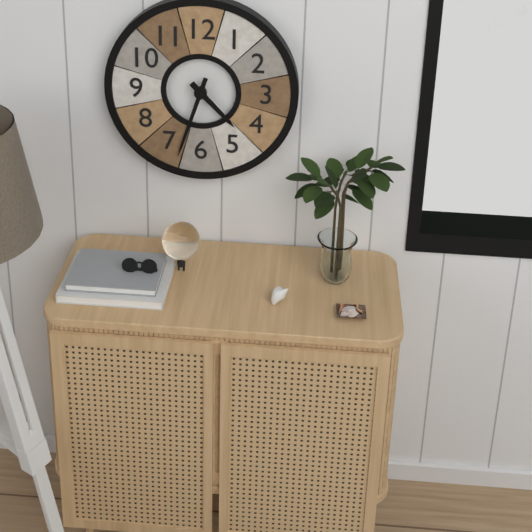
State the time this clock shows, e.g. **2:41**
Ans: **4:33**
